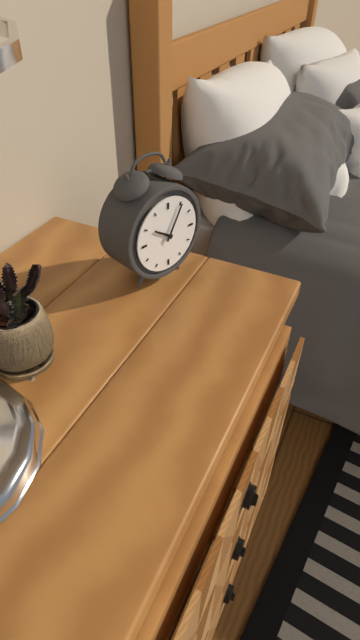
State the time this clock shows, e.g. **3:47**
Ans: **10:05**
